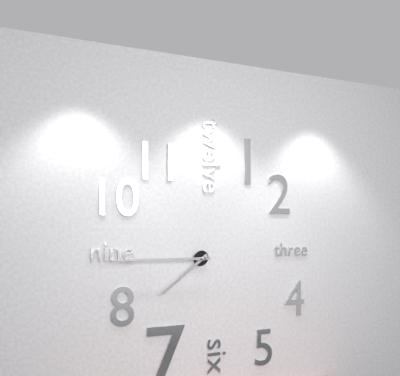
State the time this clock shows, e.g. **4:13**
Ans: **7:45**
